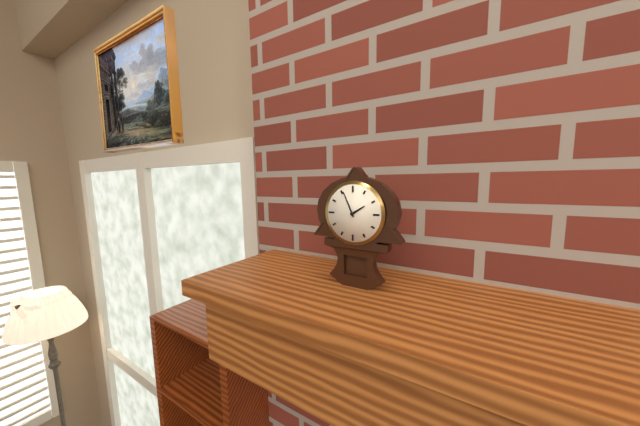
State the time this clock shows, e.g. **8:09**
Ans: **1:56**
